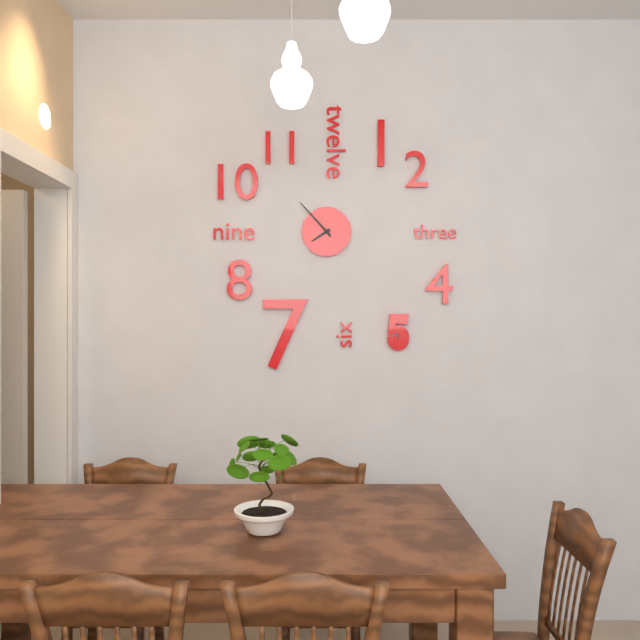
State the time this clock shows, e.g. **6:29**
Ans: **7:53**
